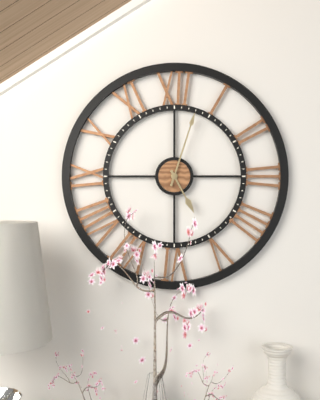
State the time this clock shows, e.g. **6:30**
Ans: **5:03**
